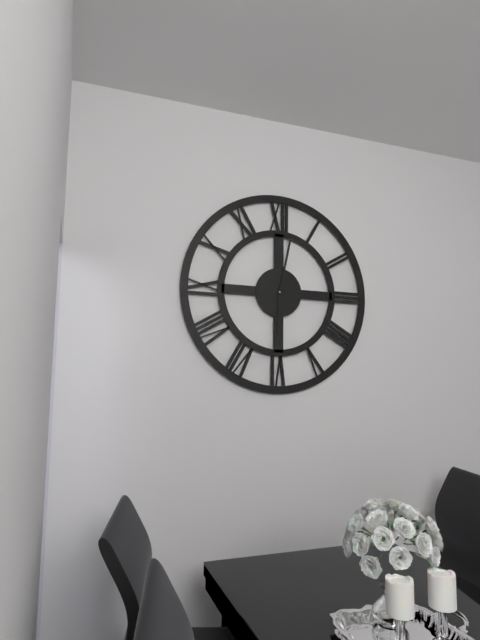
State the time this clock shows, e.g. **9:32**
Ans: **6:02**
